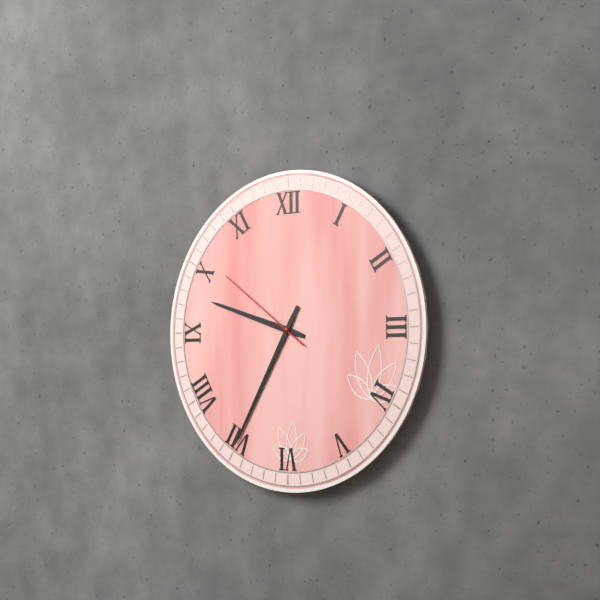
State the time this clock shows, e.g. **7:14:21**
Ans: **9:35:51**
